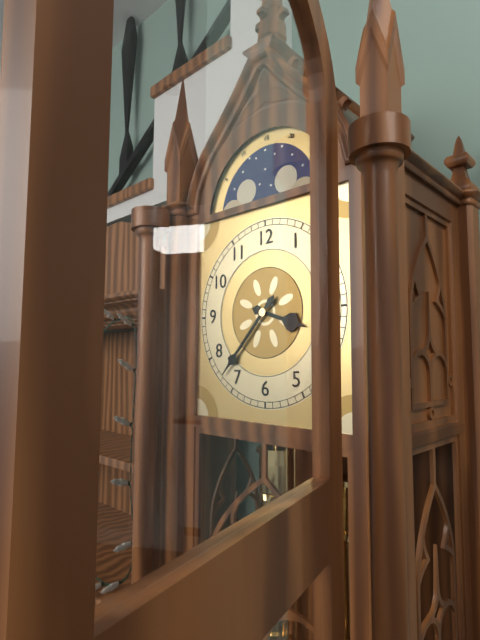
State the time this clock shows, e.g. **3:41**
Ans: **3:37**
